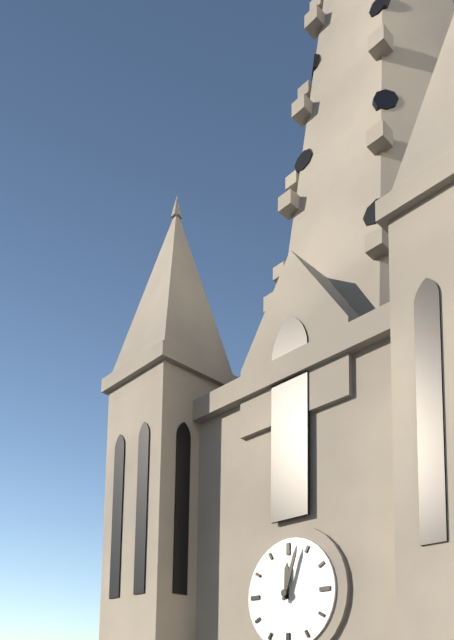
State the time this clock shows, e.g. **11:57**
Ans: **12:03**
